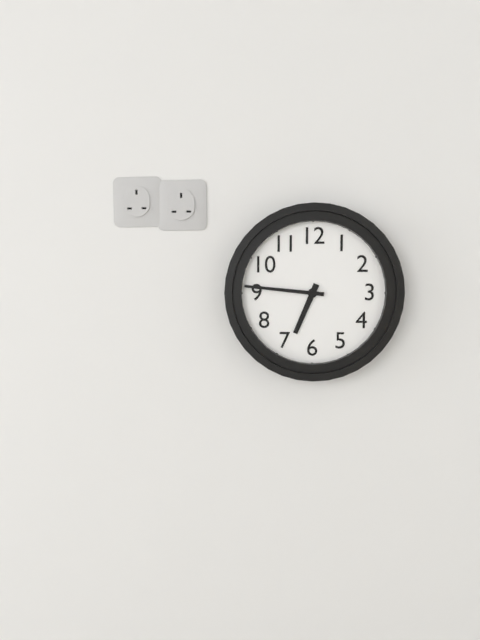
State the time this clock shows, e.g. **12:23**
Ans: **6:46**
